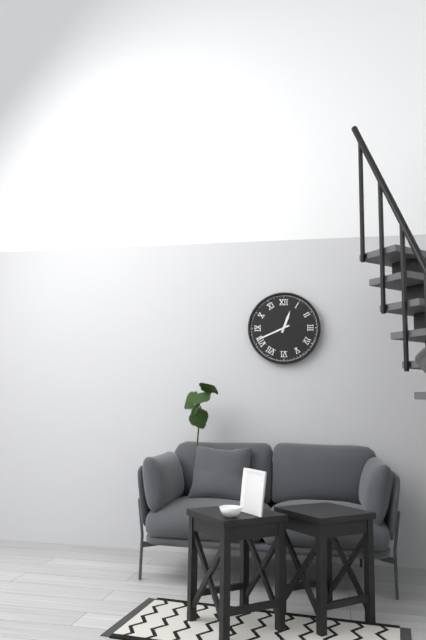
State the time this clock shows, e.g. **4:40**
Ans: **12:41**
